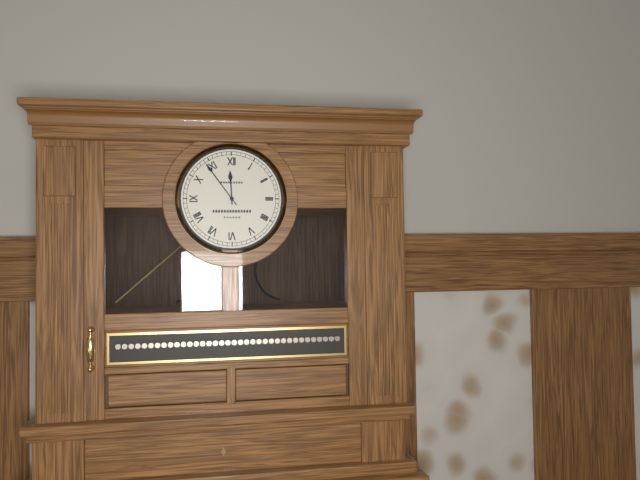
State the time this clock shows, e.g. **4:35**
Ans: **11:54**
